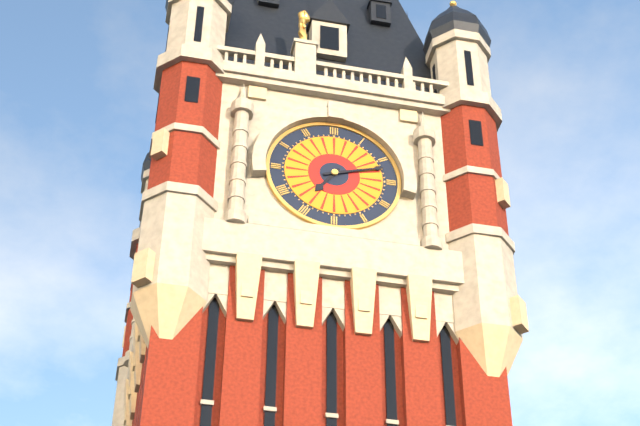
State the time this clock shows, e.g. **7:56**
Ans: **7:12**
